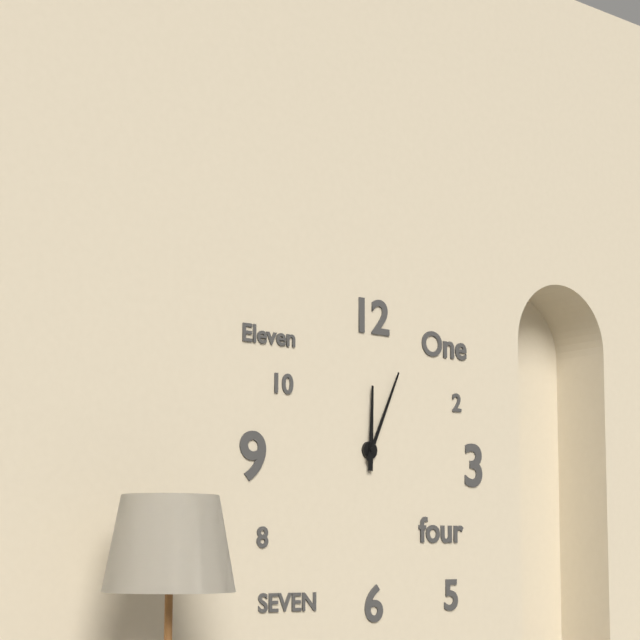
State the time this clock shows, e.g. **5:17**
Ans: **12:04**
